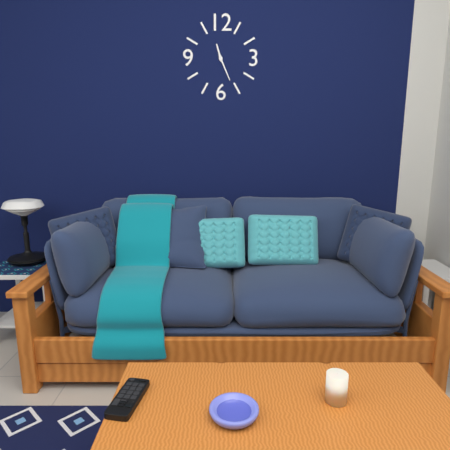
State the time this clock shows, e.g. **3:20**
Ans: **11:26**
